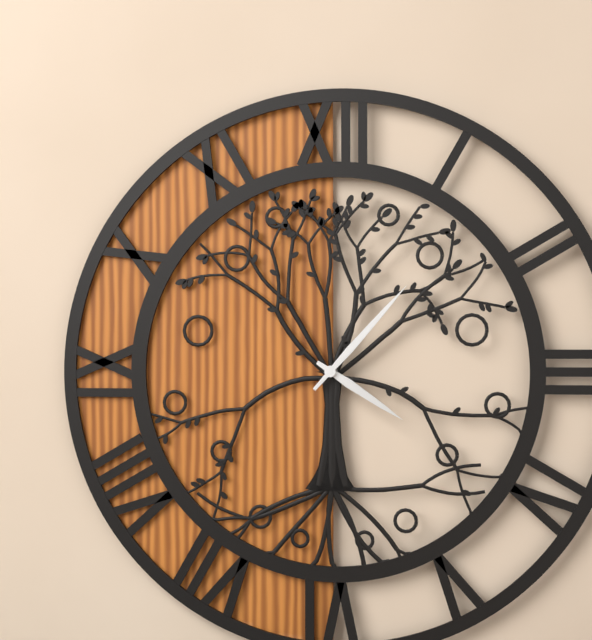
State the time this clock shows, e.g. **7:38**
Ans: **4:07**
